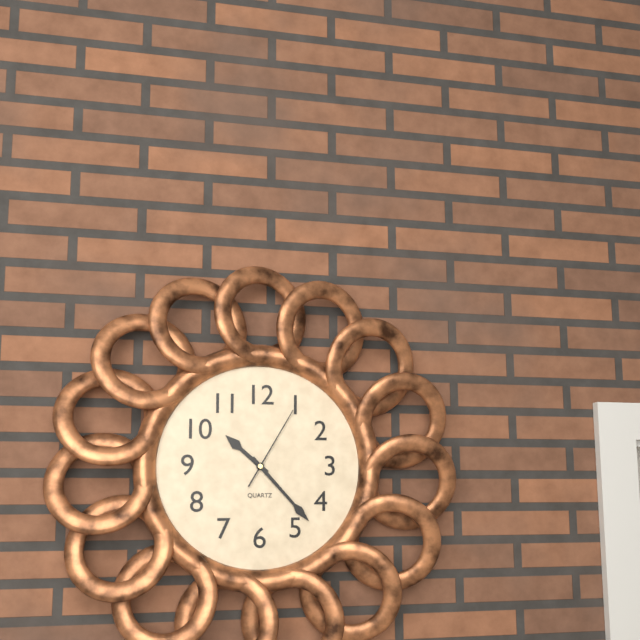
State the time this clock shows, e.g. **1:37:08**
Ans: **10:23:05**
